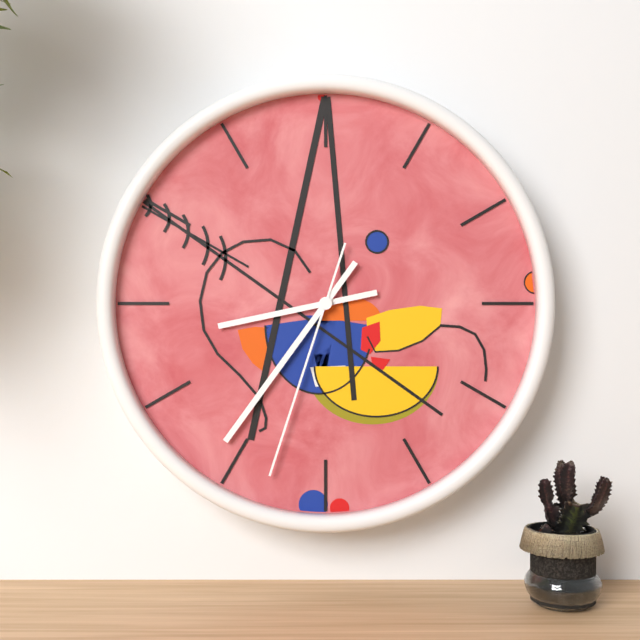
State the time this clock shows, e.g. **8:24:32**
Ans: **8:36:33**
